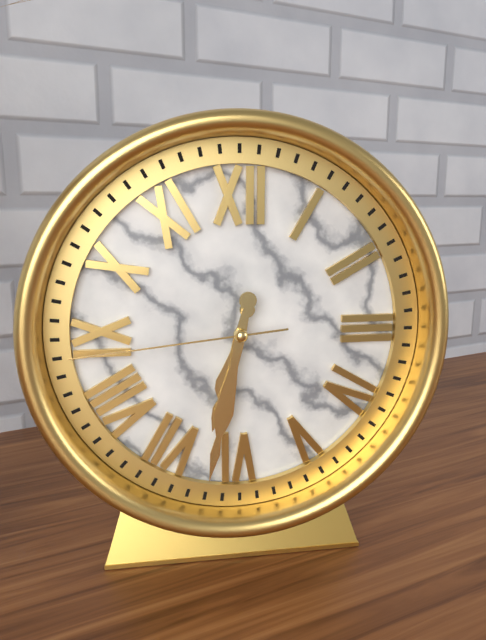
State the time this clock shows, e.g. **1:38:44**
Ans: **6:32:44**
